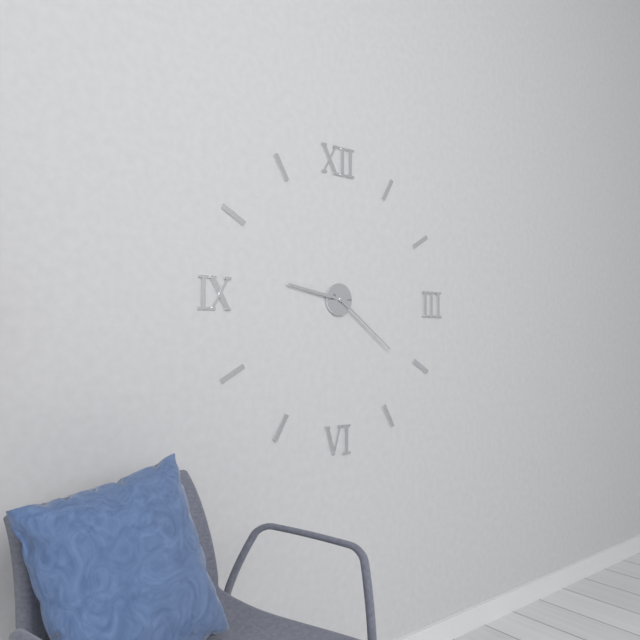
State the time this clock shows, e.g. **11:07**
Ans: **9:21**
